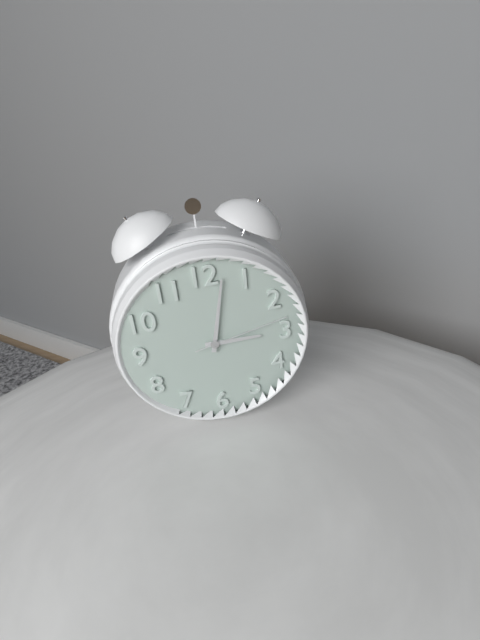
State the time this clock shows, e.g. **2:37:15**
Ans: **3:02:13**
